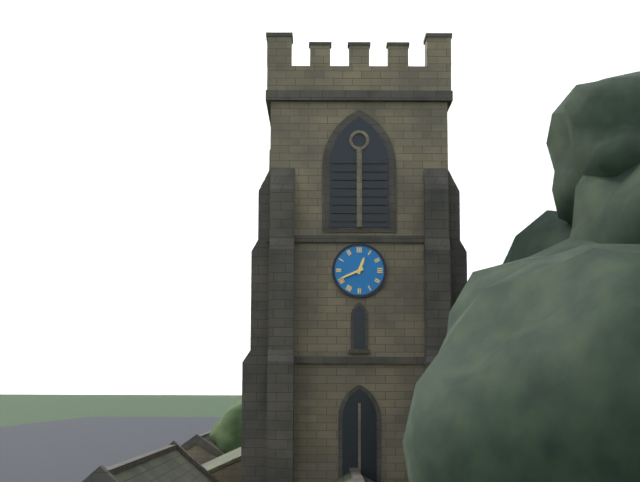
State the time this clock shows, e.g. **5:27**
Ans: **12:41**
